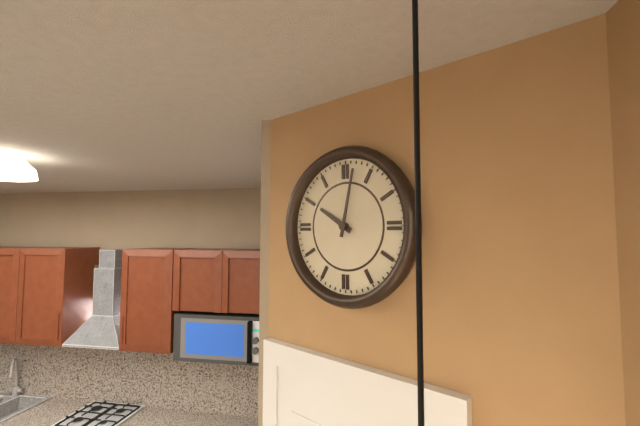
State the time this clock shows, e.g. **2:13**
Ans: **10:02**
